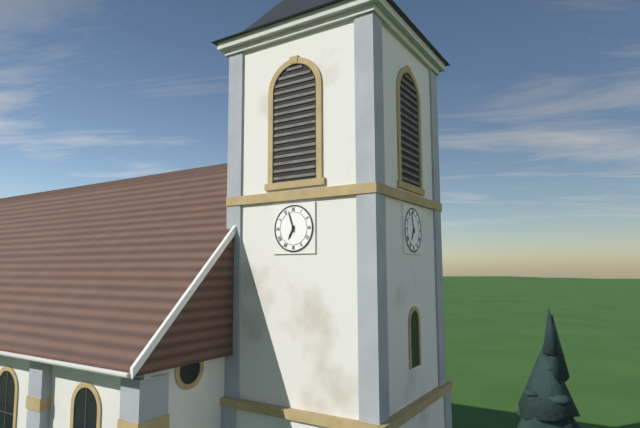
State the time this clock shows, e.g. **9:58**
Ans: **6:57**
